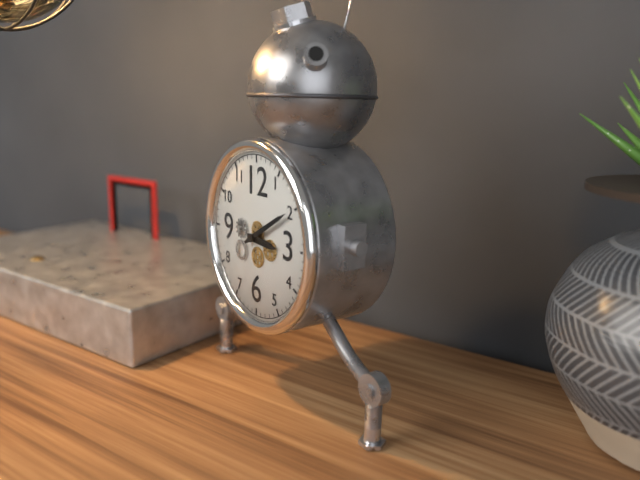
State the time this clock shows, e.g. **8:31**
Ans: **3:10**
